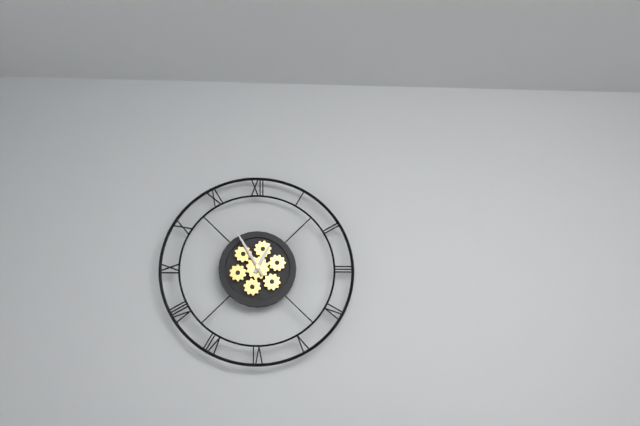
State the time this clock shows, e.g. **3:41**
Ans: **12:55**
